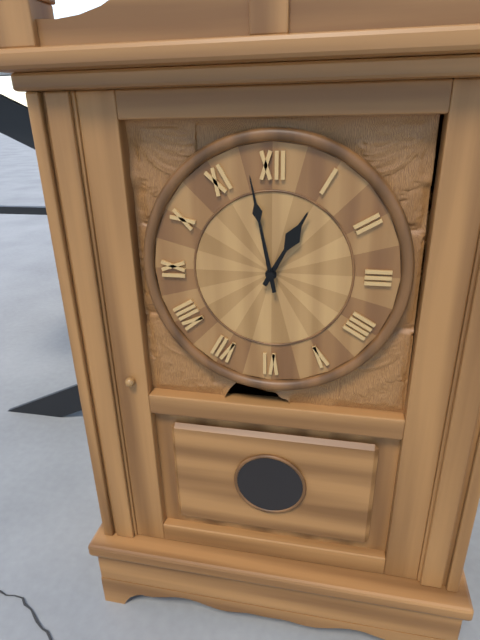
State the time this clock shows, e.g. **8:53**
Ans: **12:58**
